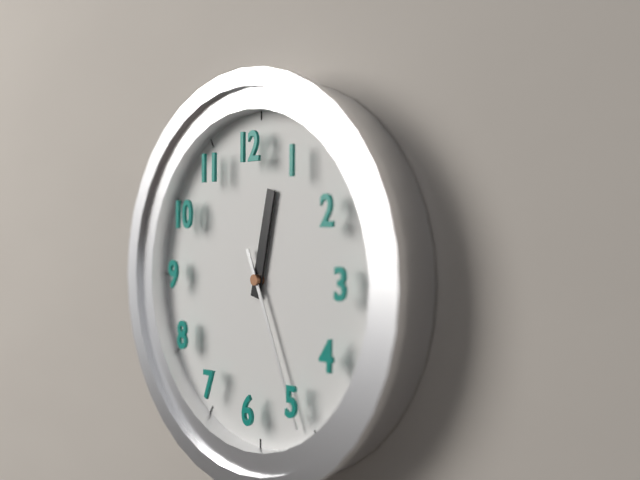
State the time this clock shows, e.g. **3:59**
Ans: **12:26**
